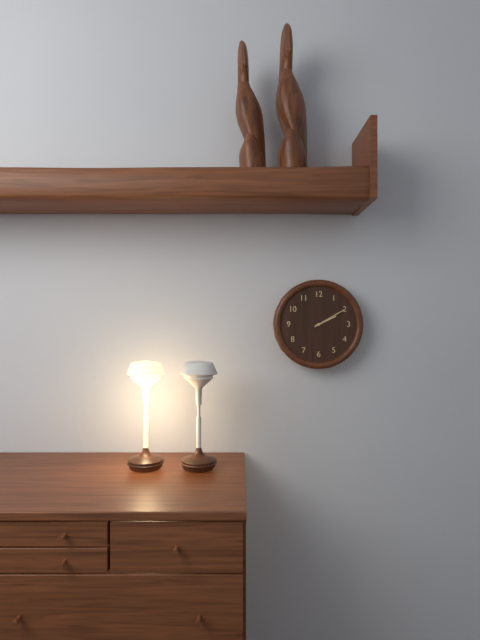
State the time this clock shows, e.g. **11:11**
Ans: **2:10**
